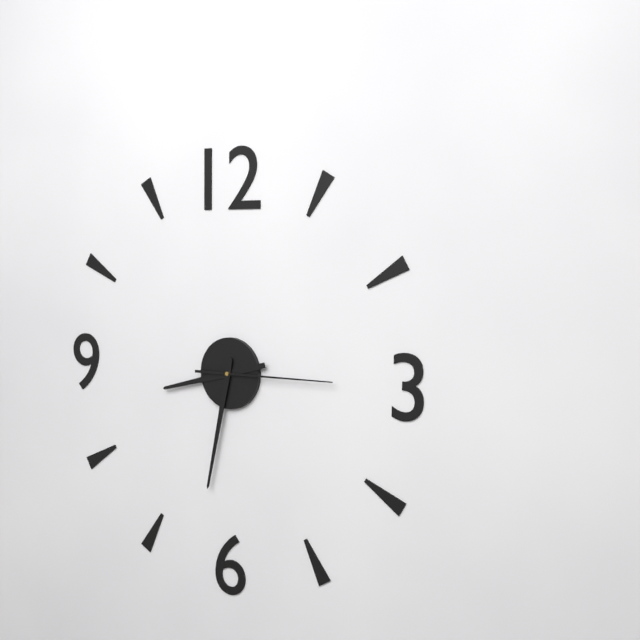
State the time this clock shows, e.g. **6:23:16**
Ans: **8:32:15**
